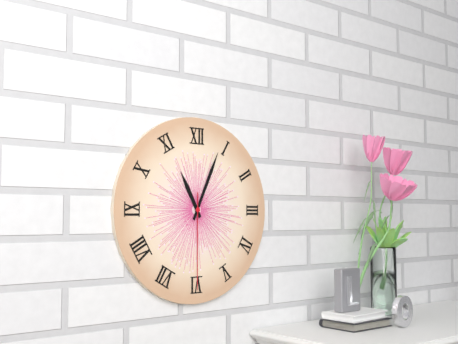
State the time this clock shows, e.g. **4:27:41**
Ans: **11:04:30**
